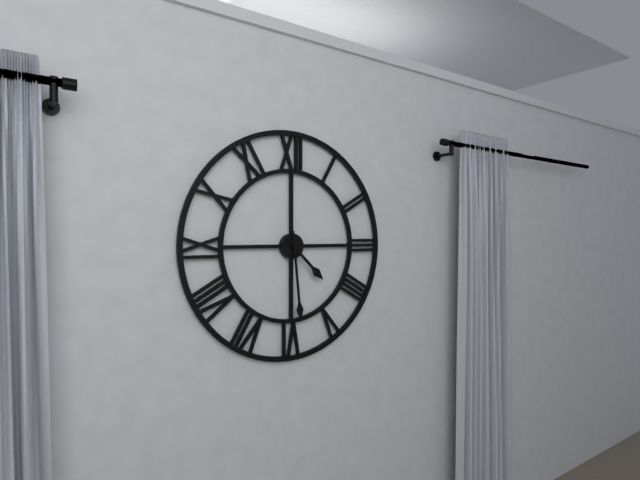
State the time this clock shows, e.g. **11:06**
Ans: **4:29**
